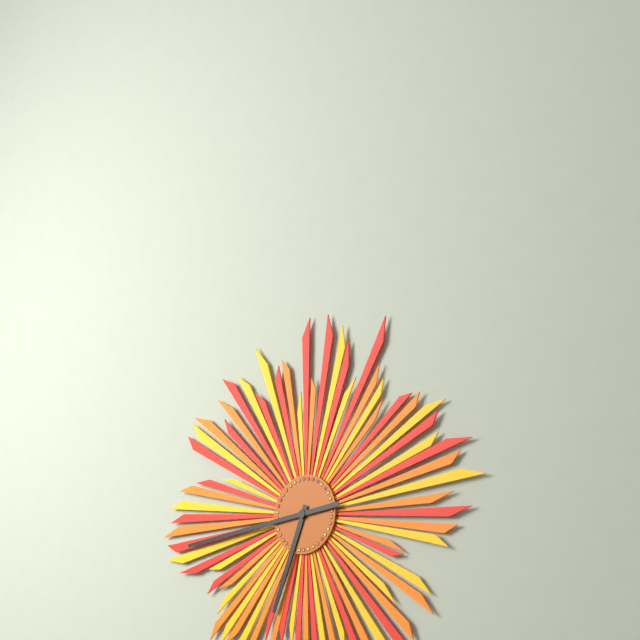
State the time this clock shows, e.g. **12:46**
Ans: **6:44**
